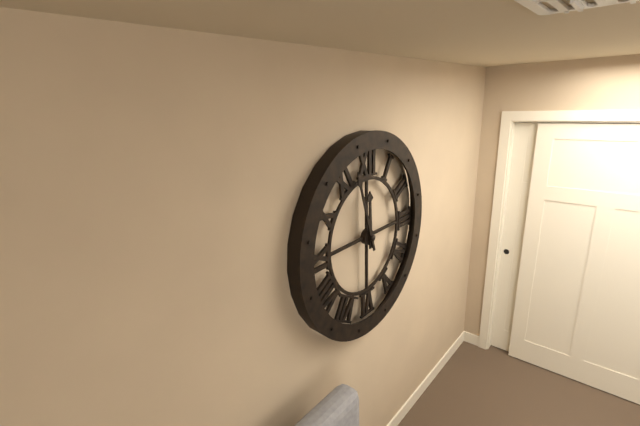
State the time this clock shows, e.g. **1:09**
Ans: **11:57**
